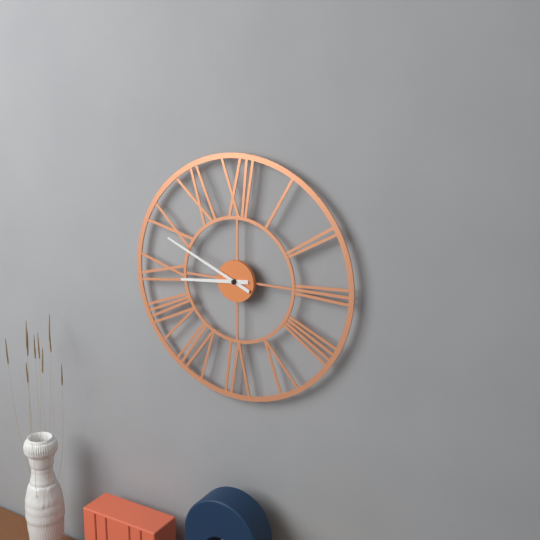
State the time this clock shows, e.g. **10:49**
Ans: **8:49**
